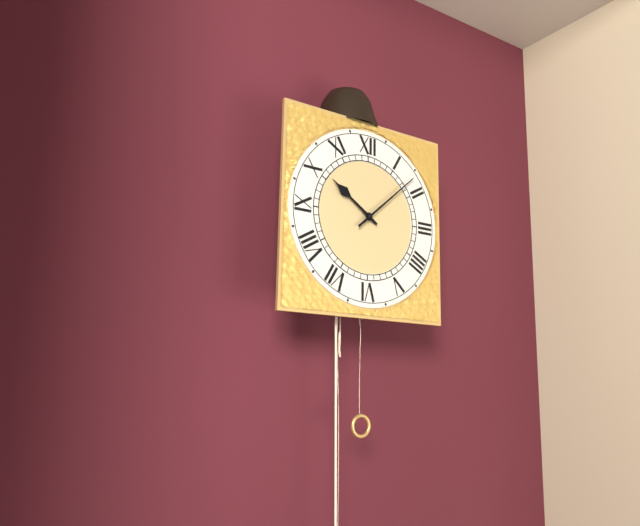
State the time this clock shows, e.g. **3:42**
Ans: **10:08**
